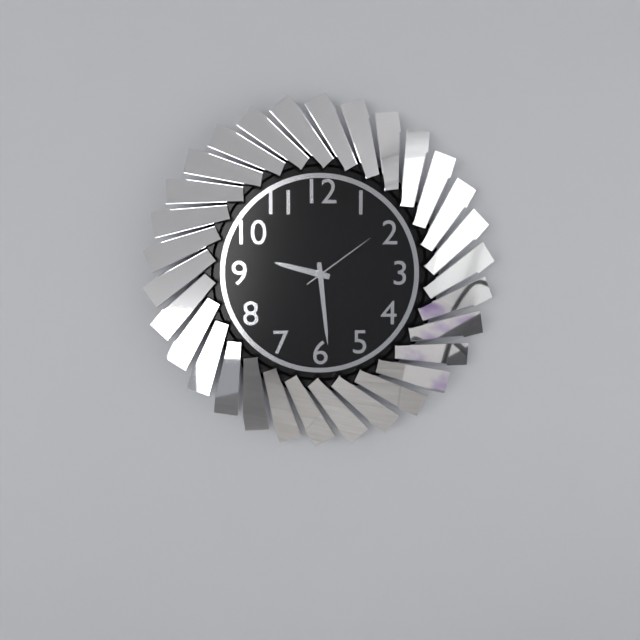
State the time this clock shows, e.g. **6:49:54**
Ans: **9:29:09**
